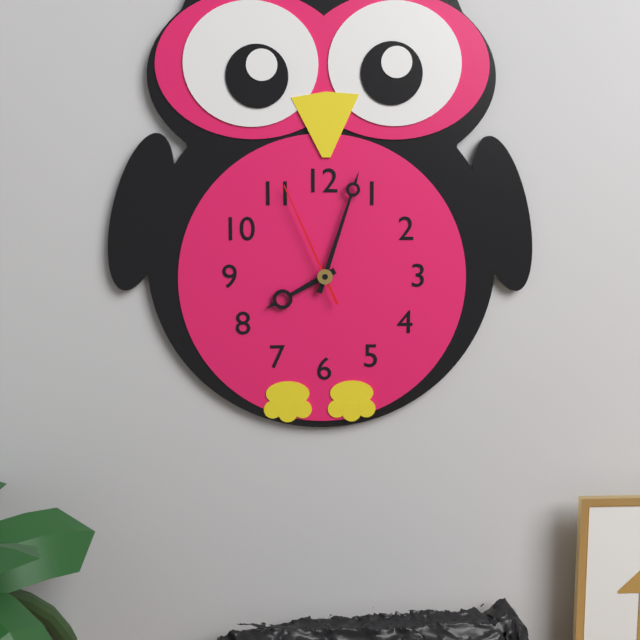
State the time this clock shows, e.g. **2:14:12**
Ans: **8:03:56**
